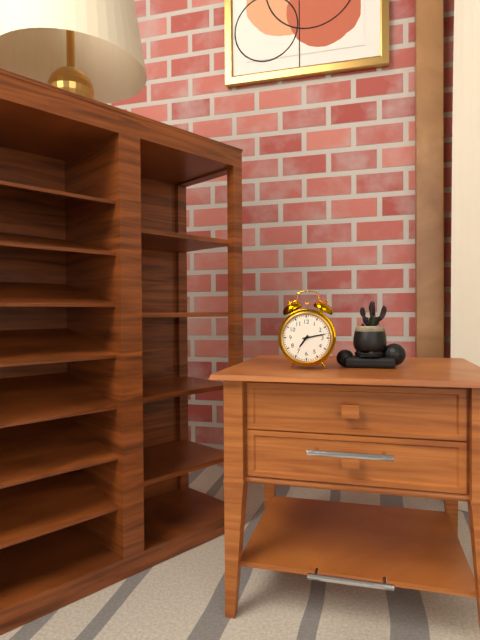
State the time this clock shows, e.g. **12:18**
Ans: **7:13**
